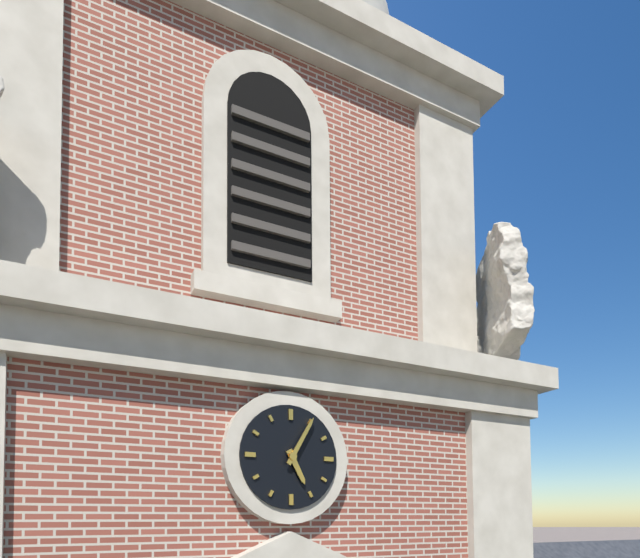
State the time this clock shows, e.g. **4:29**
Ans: **5:05**
